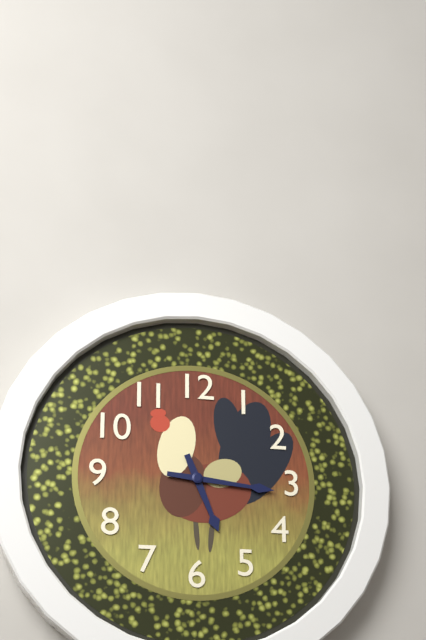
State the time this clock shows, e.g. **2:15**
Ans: **5:16**
